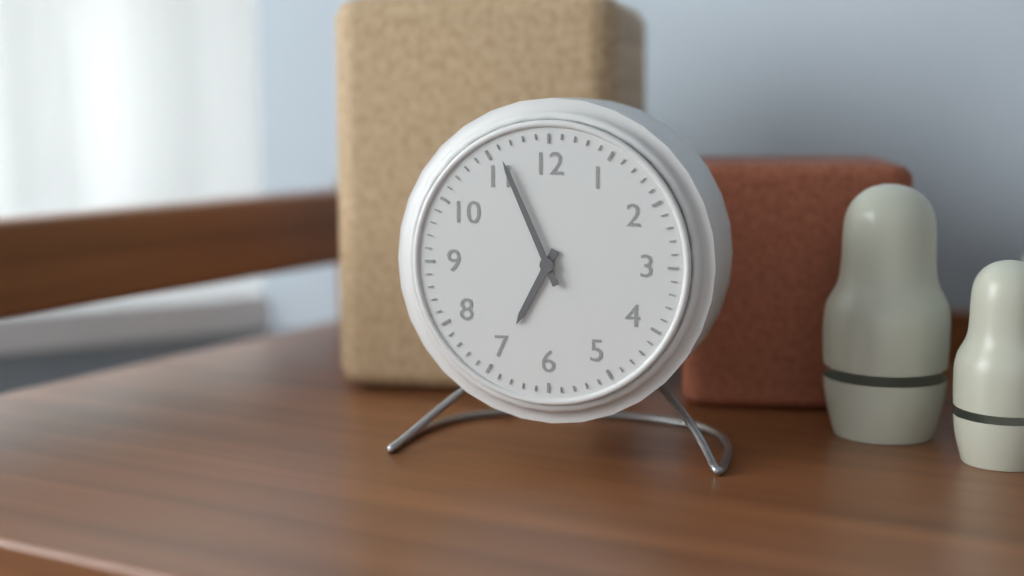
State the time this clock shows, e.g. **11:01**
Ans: **6:56**
